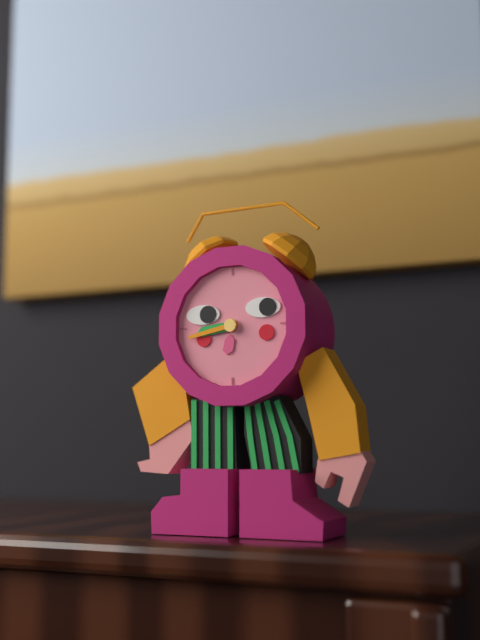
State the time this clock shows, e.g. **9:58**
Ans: **8:43**
